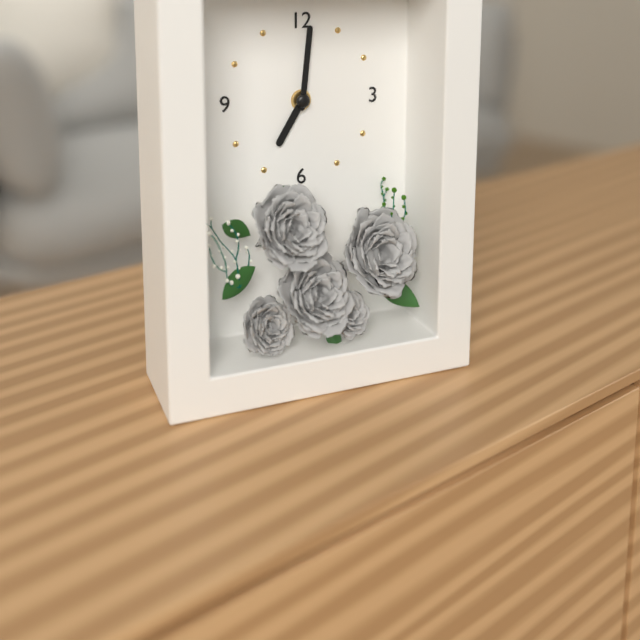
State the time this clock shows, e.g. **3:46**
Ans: **7:01**
